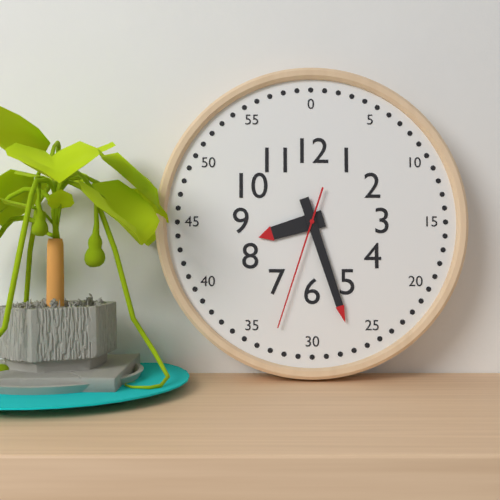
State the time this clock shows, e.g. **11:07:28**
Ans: **8:27:33**
